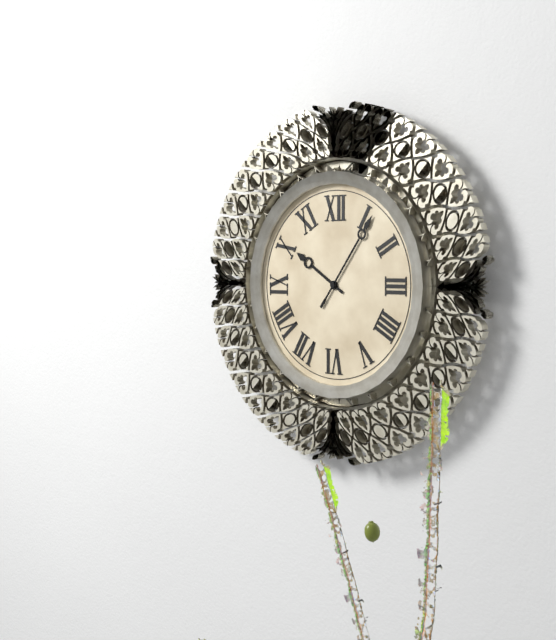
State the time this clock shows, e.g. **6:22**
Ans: **10:06**
